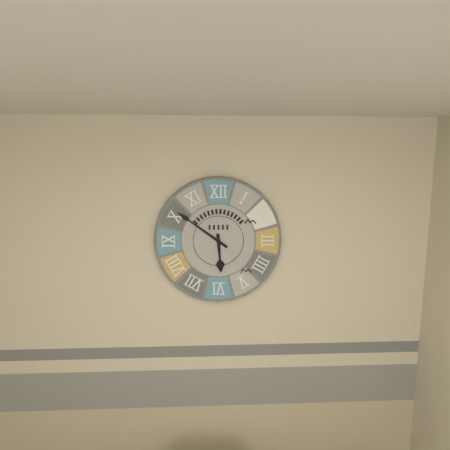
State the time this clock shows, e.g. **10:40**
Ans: **5:51**
